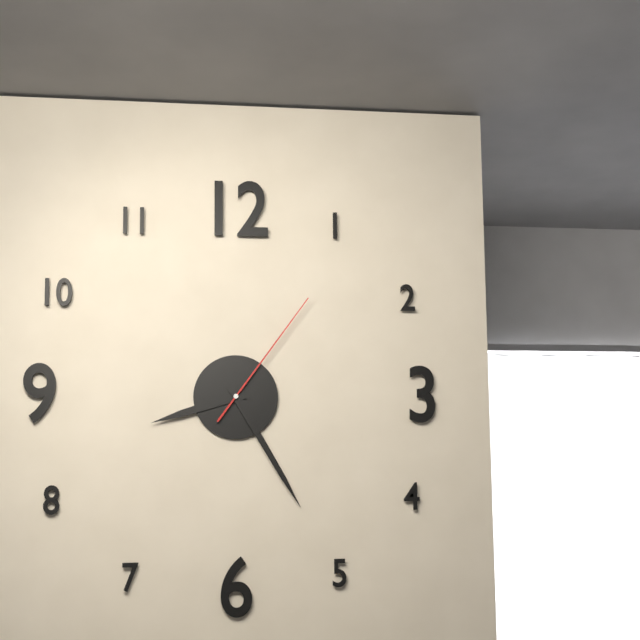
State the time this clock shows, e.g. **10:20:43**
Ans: **8:25:06**
